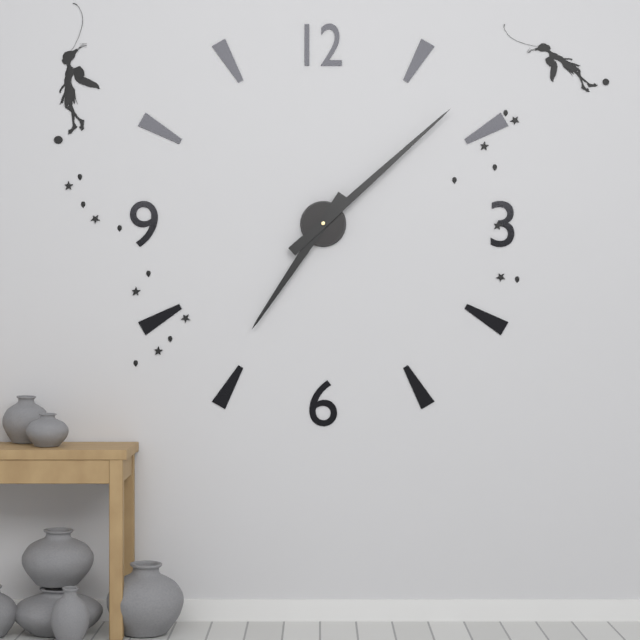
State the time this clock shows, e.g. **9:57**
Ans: **7:08**
